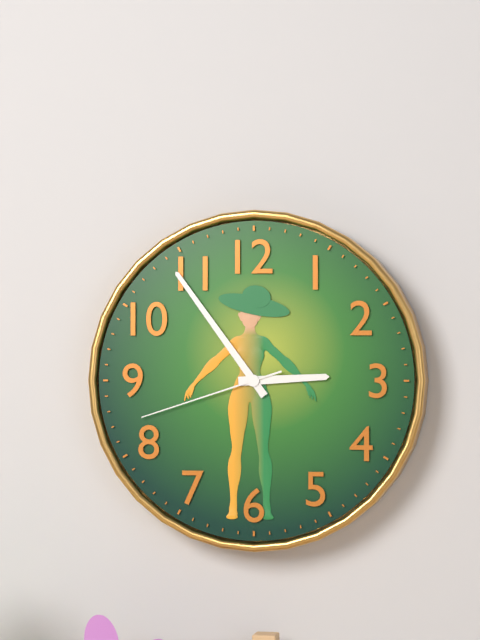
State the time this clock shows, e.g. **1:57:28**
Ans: **2:54:42**
